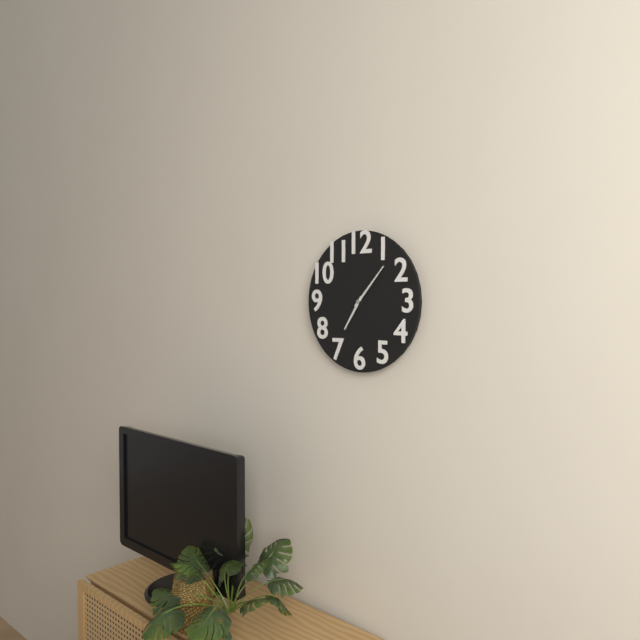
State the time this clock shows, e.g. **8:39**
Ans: **7:07**
